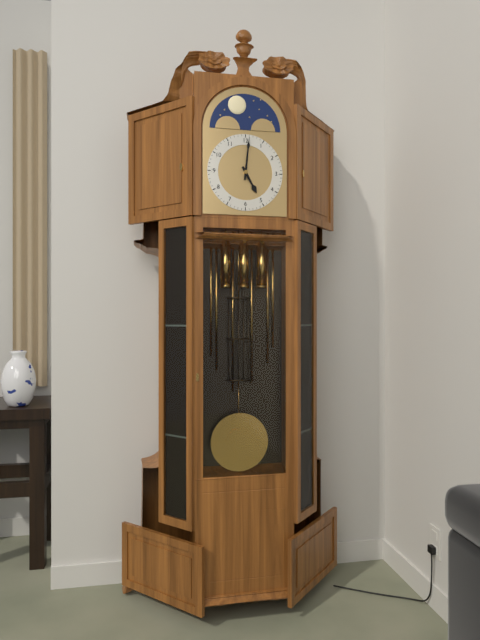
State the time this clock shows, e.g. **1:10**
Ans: **5:01**
